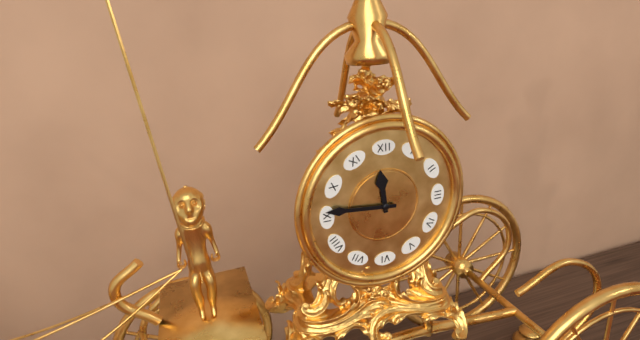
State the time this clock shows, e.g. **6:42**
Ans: **11:46**
